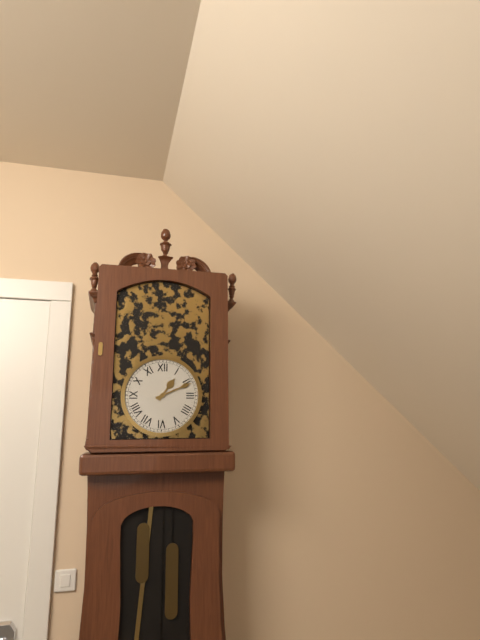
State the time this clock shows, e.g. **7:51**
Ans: **1:11**
